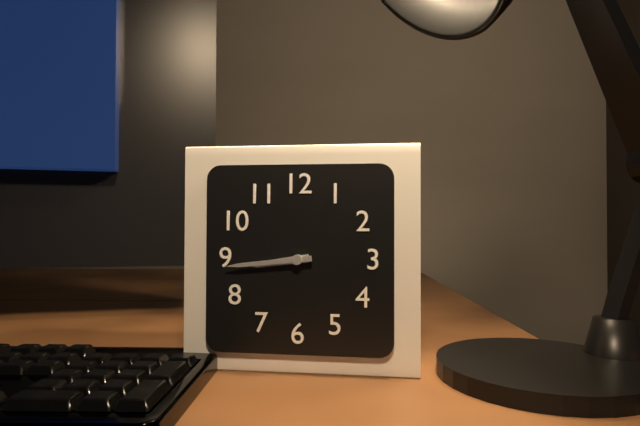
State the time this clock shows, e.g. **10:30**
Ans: **8:44**
